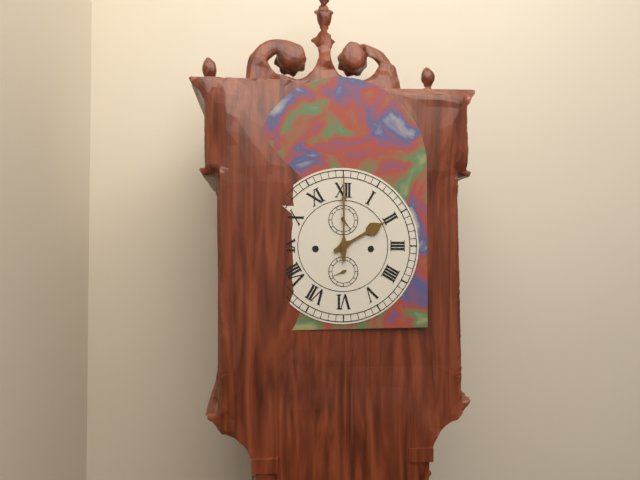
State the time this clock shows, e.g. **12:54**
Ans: **2:00**
